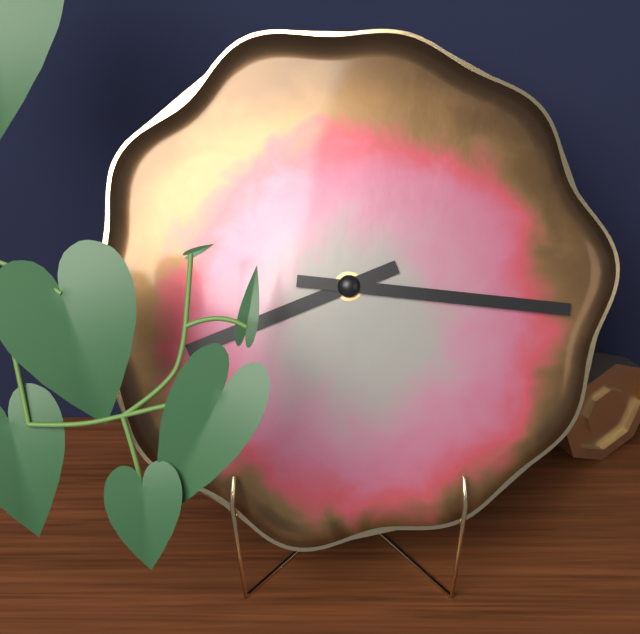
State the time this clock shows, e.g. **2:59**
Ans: **8:16**
